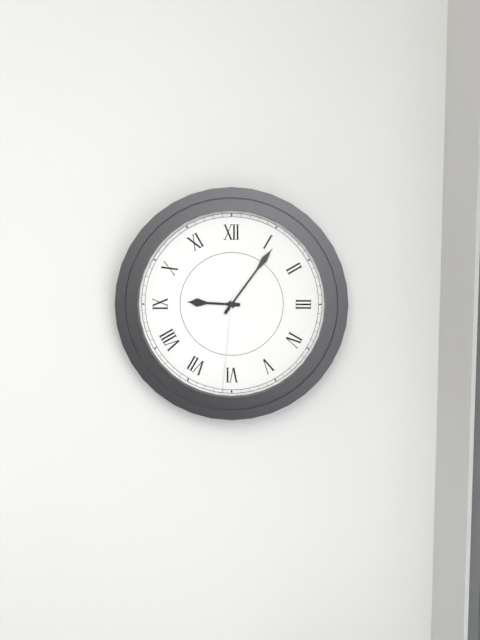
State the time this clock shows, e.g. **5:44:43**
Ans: **9:06:31**
